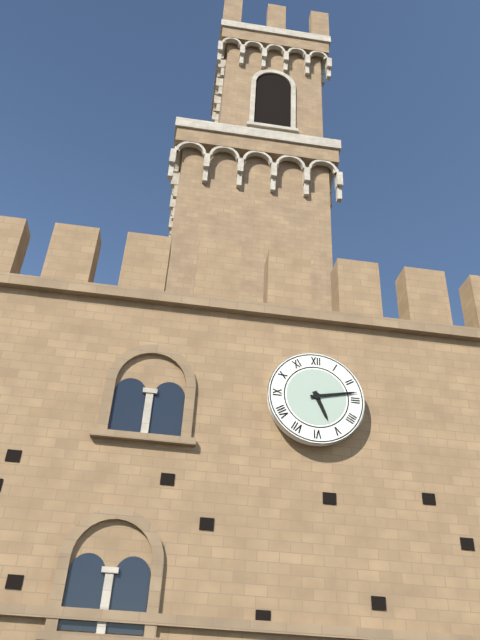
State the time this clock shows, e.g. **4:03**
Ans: **5:13**
